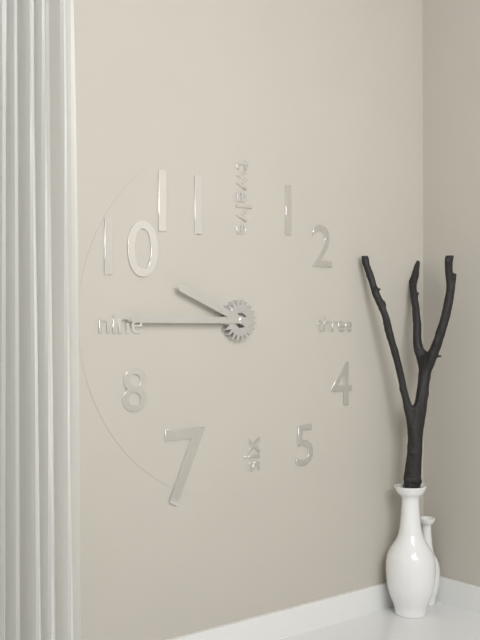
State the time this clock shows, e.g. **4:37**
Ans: **9:45**
